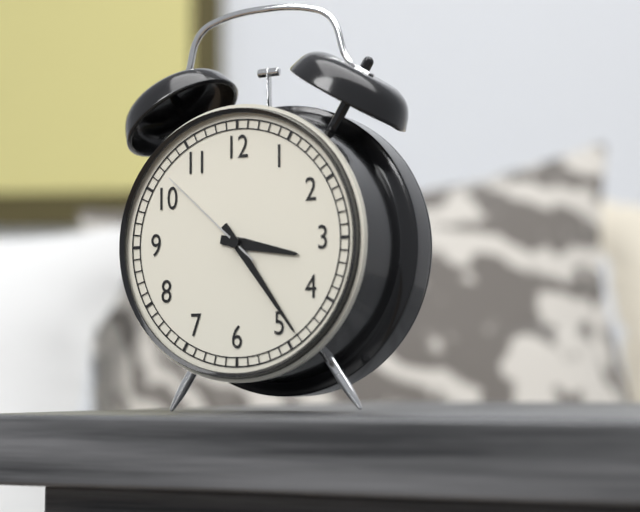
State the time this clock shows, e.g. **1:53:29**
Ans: **3:24:52**
